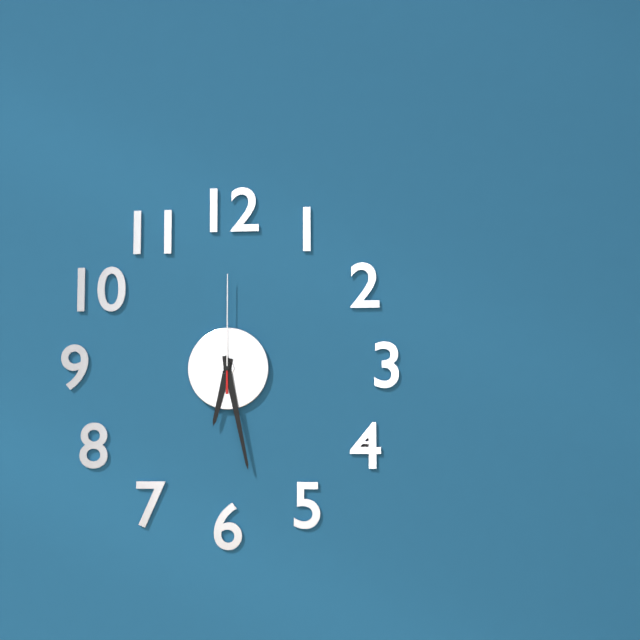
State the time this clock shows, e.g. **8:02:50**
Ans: **6:28:00**
